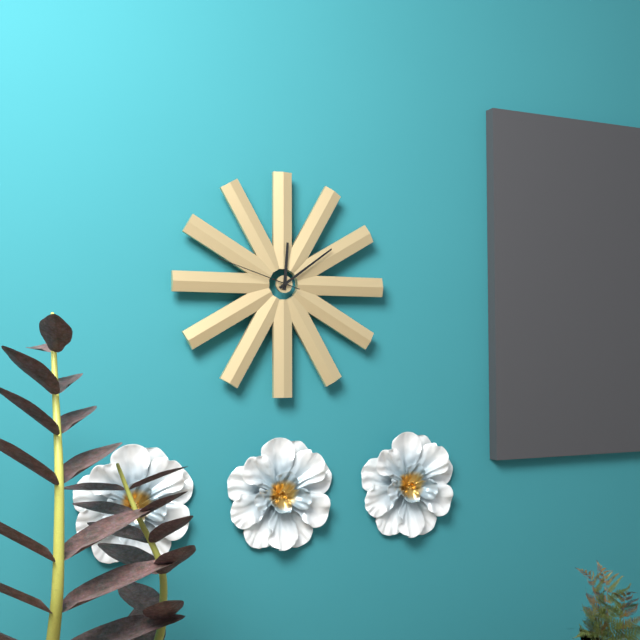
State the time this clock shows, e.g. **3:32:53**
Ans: **12:09:48**
